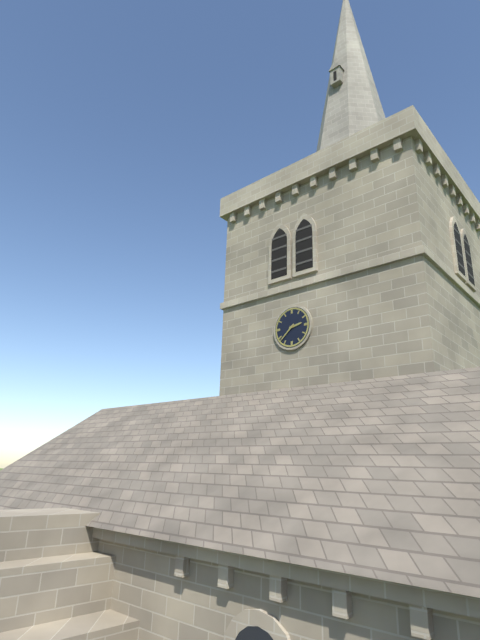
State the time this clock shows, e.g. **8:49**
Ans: **2:38**
